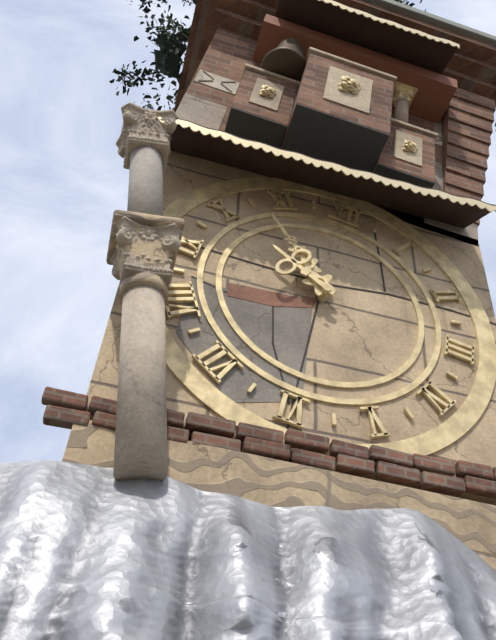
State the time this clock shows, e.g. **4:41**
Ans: **9:53**
